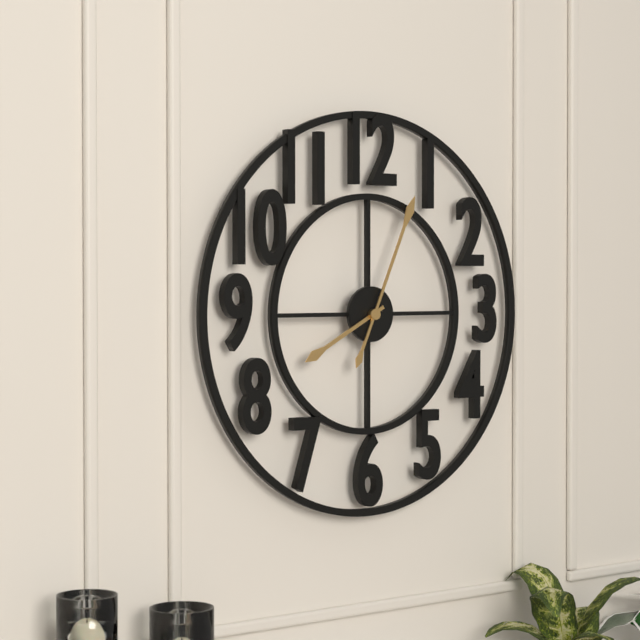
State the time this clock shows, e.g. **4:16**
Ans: **8:04**
